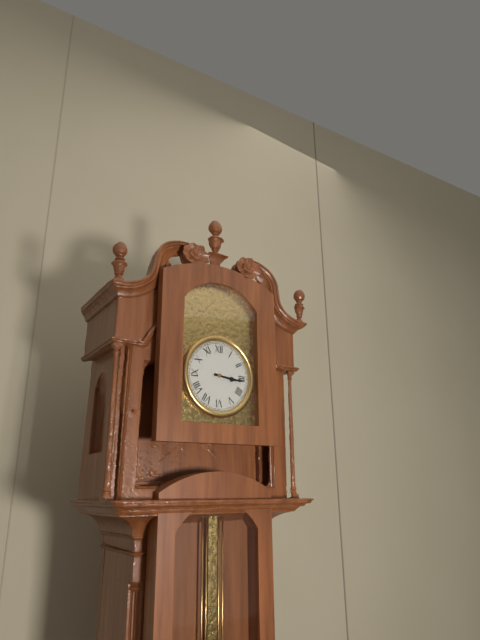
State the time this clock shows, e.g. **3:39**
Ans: **3:16**
